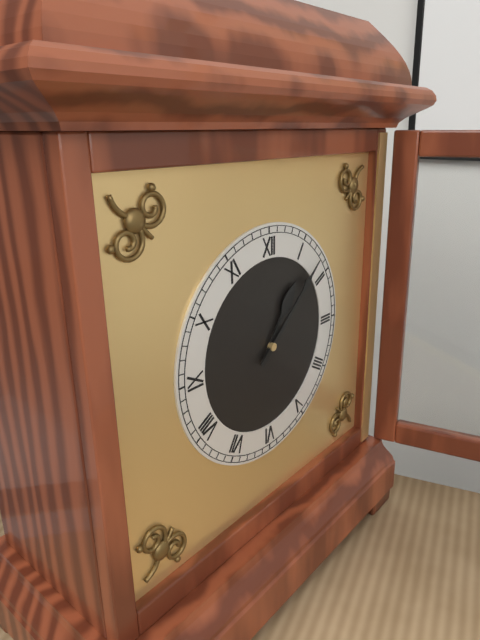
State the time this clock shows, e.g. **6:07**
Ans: **1:08**
